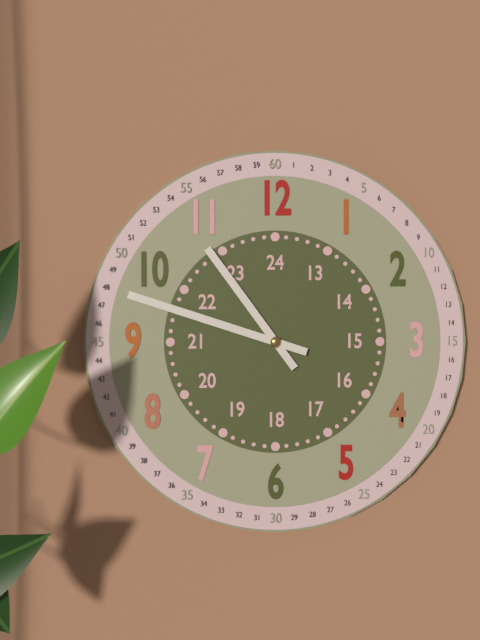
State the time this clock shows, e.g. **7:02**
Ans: **10:48**
